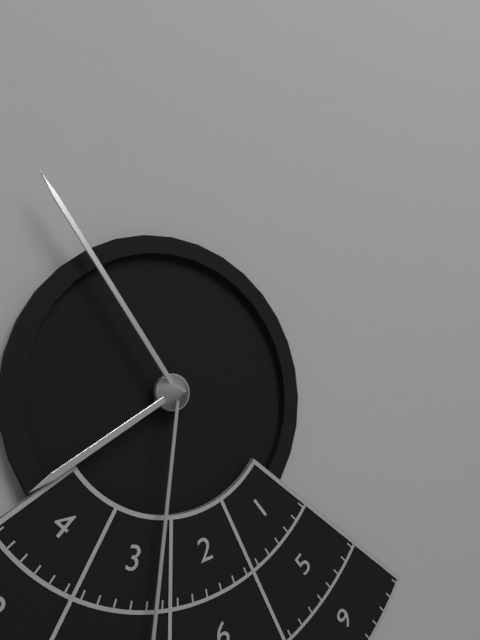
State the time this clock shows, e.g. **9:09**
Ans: **7:54**
